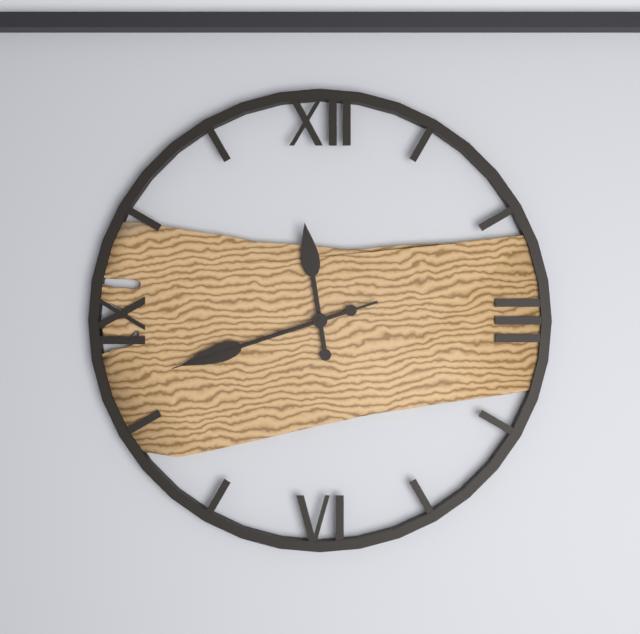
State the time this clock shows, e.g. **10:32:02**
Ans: **11:42:42**
